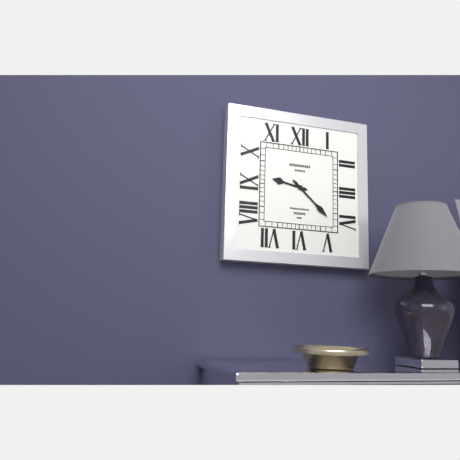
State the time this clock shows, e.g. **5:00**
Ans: **9:22**
